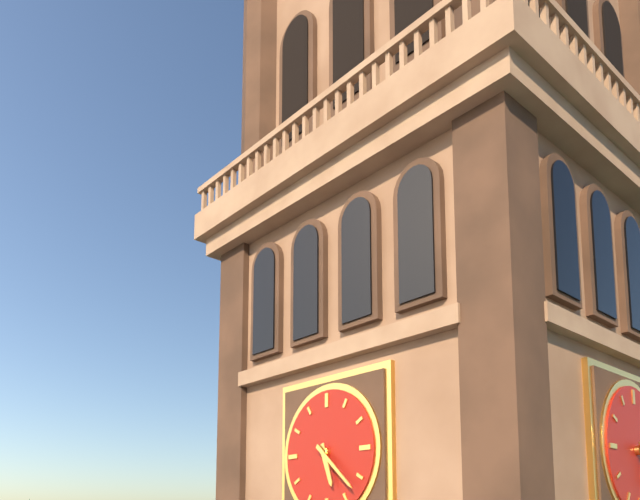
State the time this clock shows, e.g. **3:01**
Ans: **5:22**
